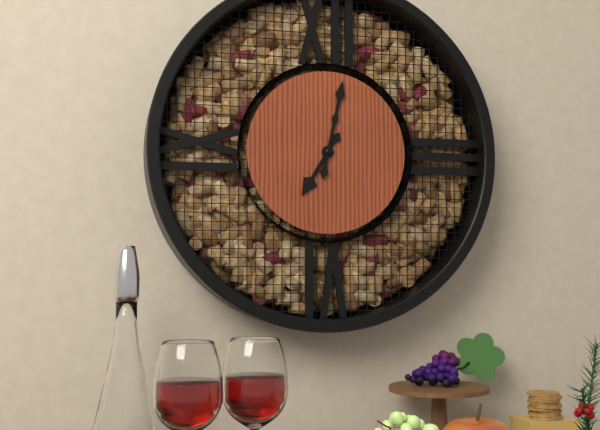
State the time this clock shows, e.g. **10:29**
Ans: **7:02**
